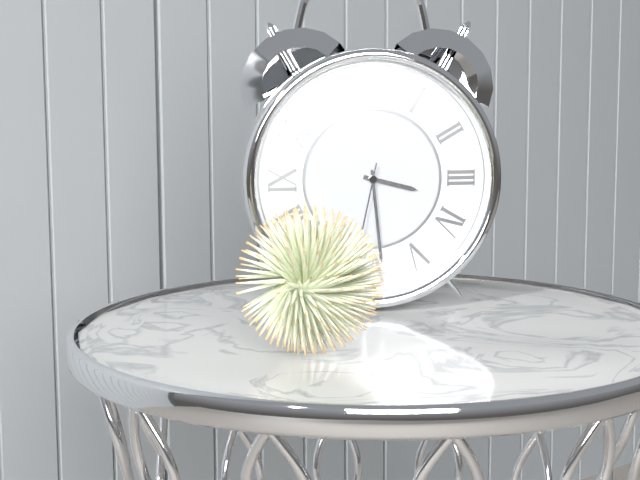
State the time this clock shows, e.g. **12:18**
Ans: **3:29**
